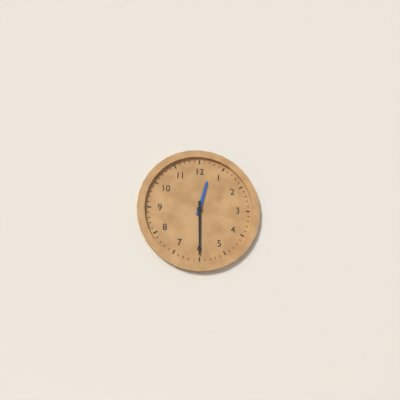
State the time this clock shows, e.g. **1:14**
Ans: **12:30**
